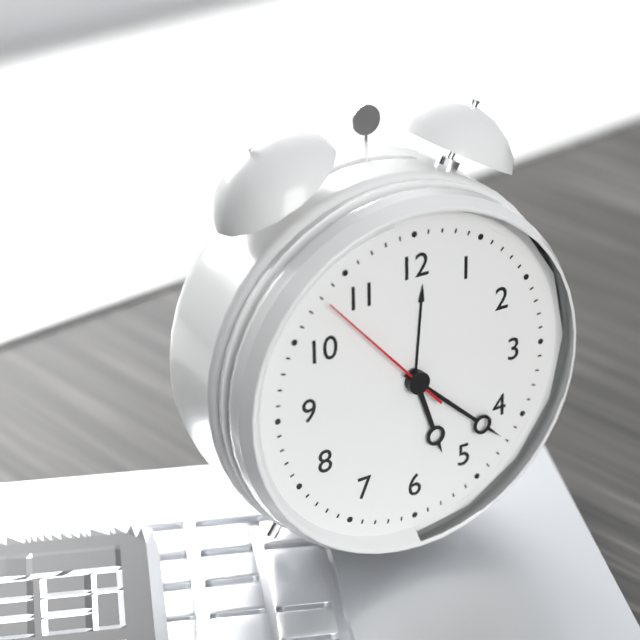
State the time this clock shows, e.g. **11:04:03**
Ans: **5:22:53**
